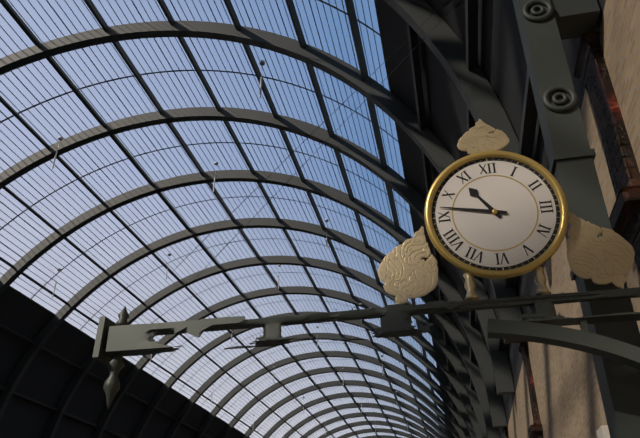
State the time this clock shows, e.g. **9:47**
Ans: **10:47**
